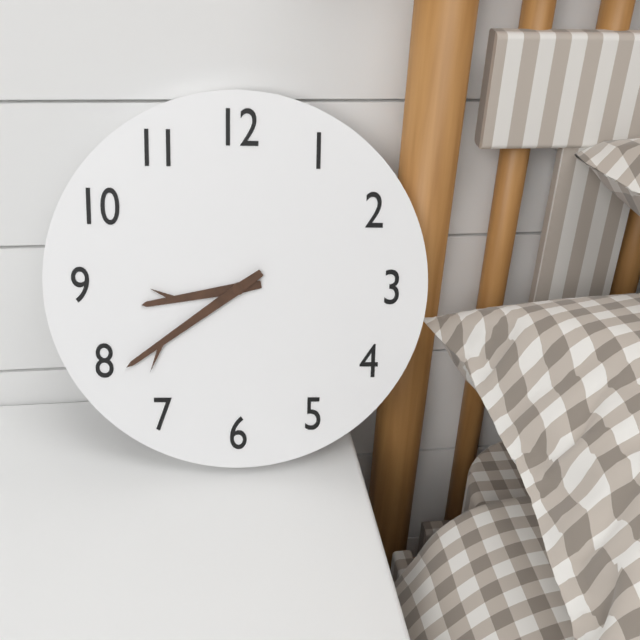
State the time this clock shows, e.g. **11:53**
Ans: **8:39**
